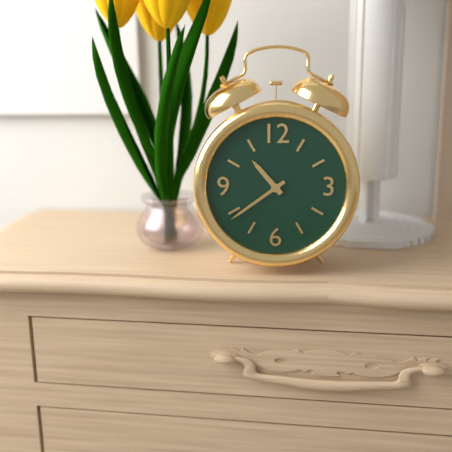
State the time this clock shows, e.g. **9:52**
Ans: **10:39**
